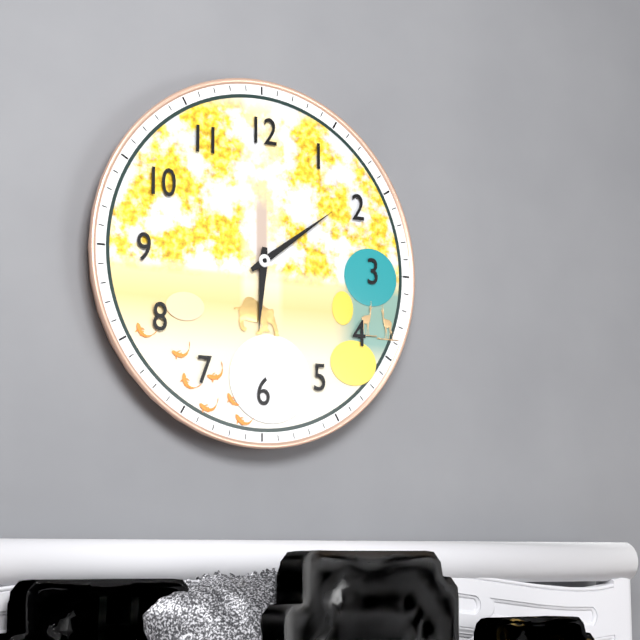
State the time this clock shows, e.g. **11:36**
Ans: **6:09**
